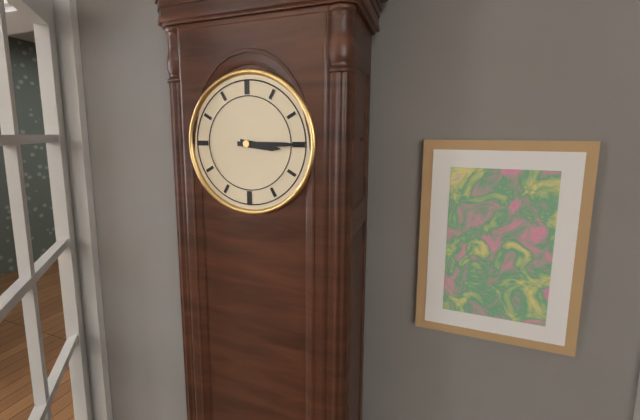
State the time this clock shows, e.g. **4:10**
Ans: **3:15**
